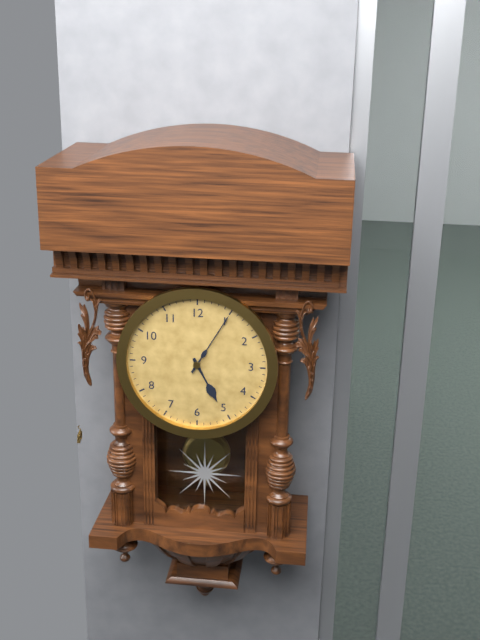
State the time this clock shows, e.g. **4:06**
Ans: **5:05**
